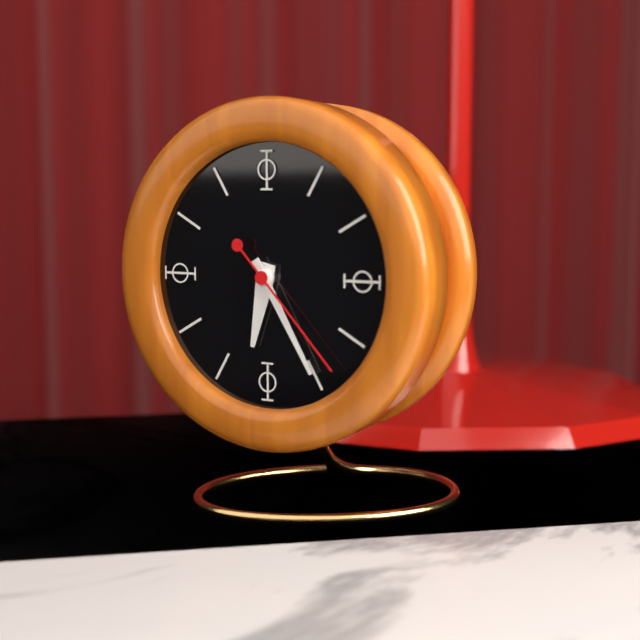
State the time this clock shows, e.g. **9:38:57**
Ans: **6:25:23**
